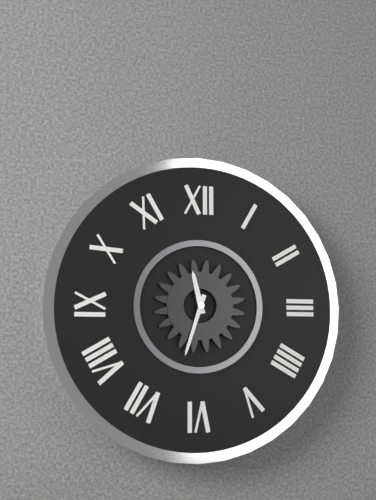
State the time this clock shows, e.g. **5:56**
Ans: **11:33**
